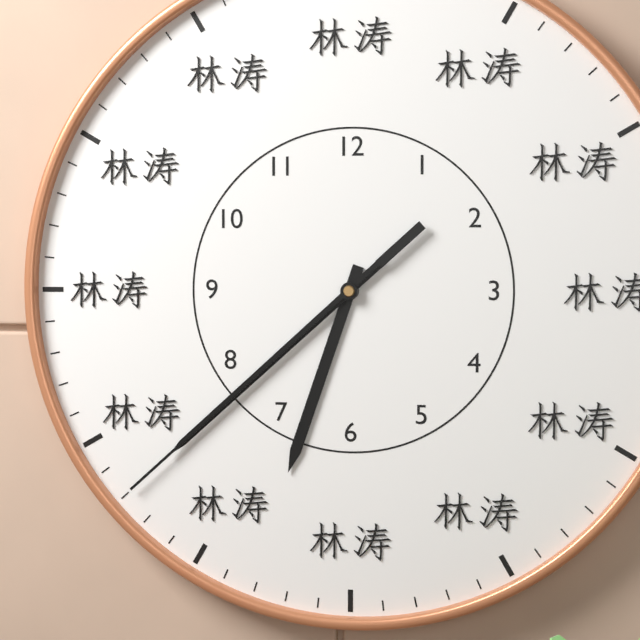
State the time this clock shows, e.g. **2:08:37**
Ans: **6:38:38**
